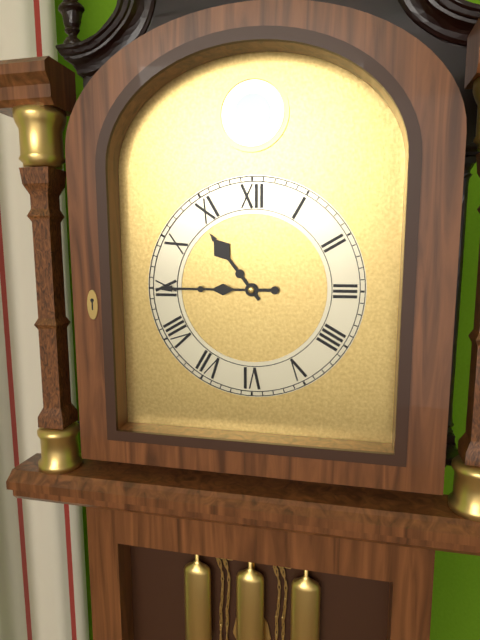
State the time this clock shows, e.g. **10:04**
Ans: **10:45**
